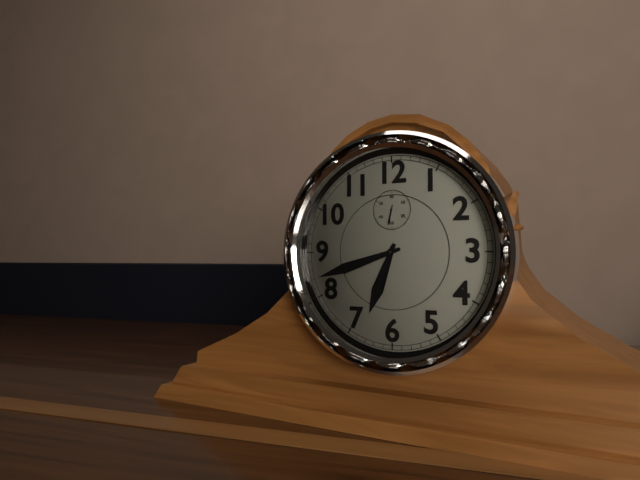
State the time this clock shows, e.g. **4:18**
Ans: **6:42**
